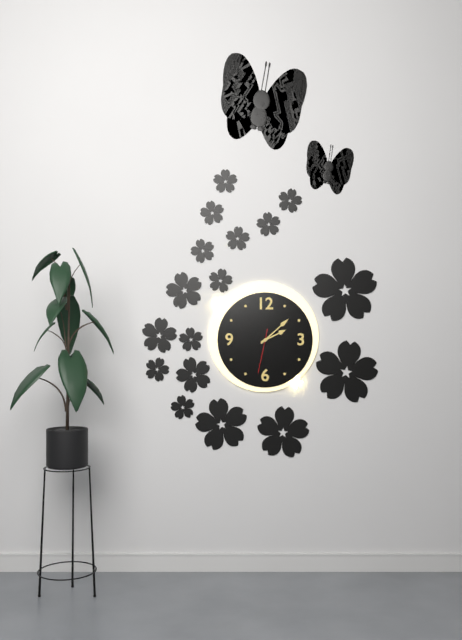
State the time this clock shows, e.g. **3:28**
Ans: **2:08**
